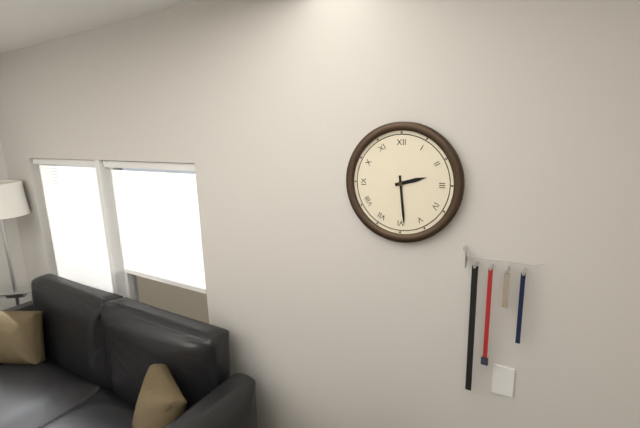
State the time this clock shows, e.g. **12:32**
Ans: **2:29**
